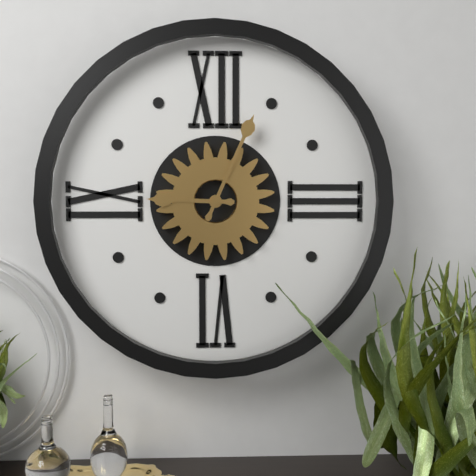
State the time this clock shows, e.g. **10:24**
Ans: **9:04**
